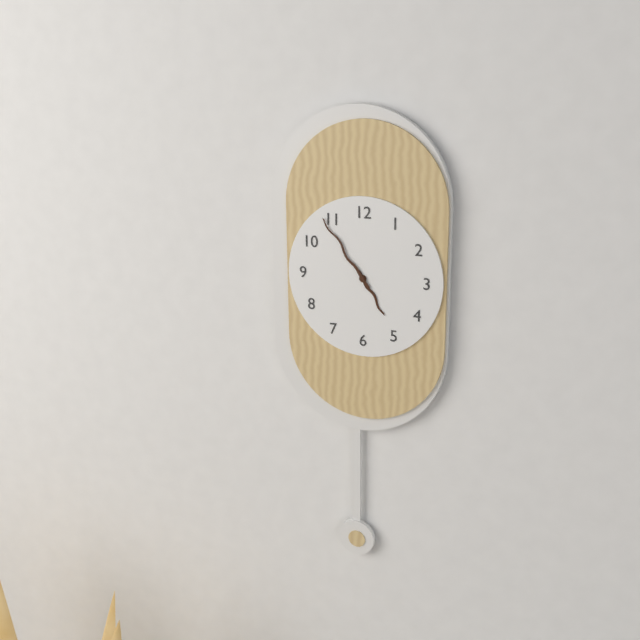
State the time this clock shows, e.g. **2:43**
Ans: **4:54**
